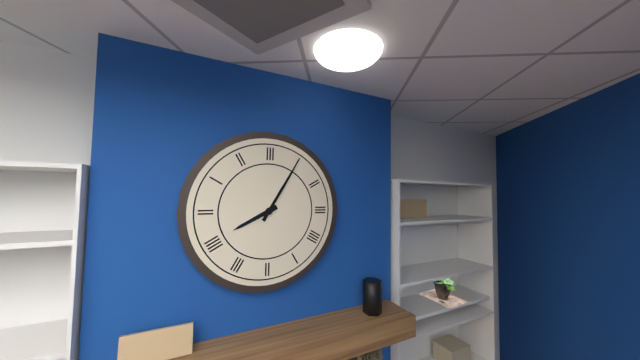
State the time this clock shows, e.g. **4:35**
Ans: **8:05**
